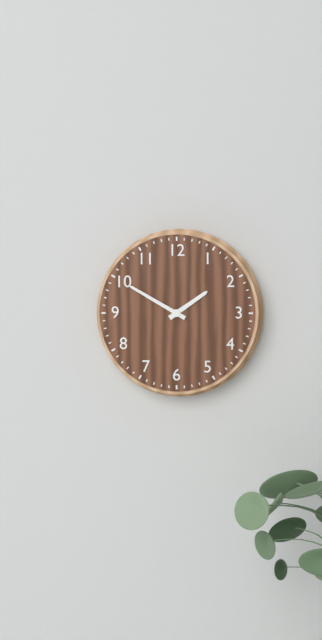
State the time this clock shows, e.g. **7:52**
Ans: **1:50**
